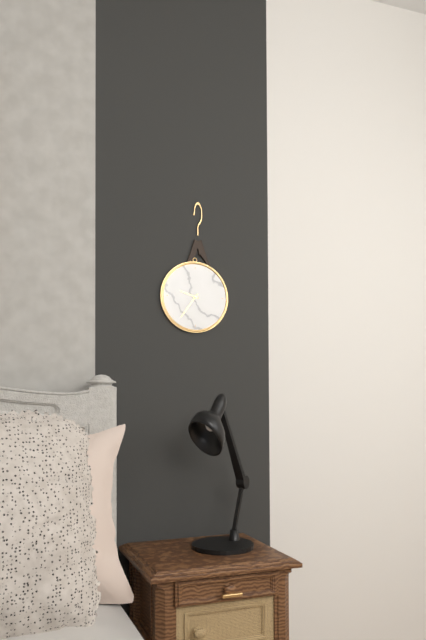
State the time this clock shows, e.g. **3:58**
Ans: **9:36**
